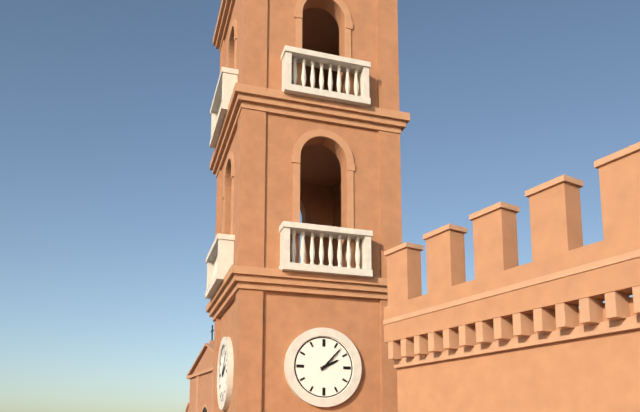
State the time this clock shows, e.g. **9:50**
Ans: **2:07**
